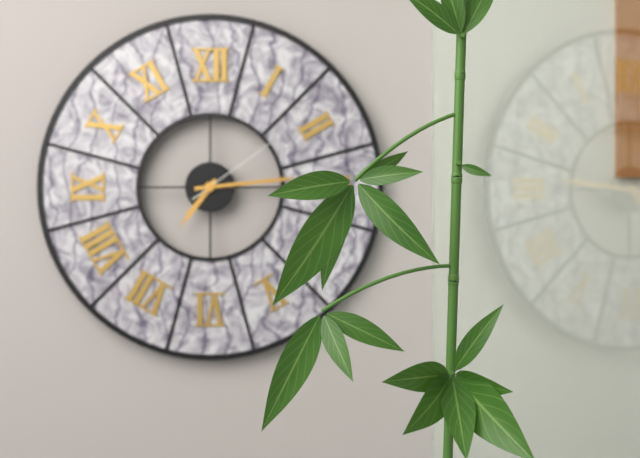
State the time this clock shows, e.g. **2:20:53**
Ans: **7:14:09**
